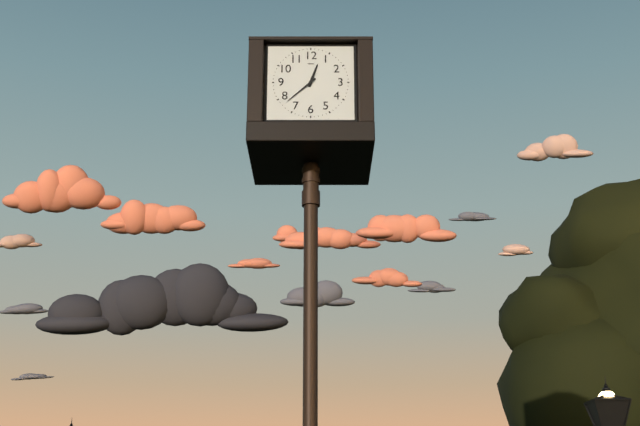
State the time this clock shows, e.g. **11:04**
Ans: **12:38**
